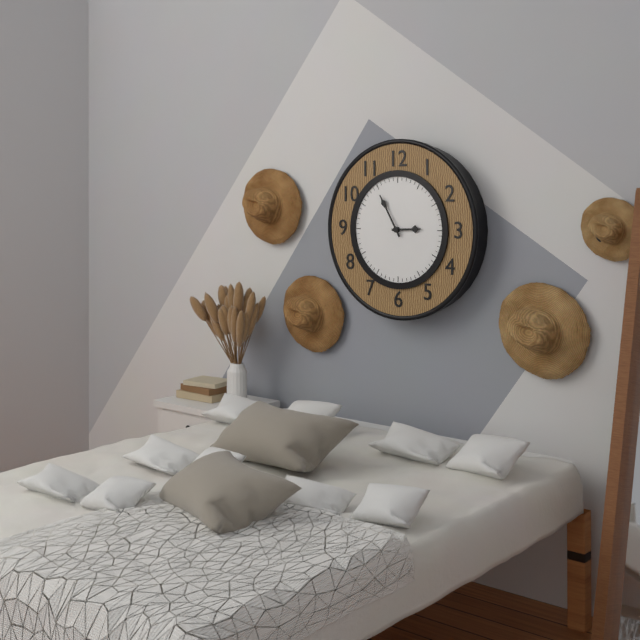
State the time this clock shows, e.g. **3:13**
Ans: **2:55**
